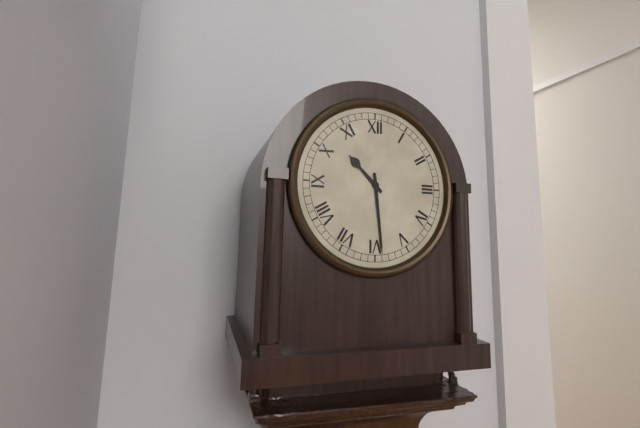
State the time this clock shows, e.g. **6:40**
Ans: **10:29**
